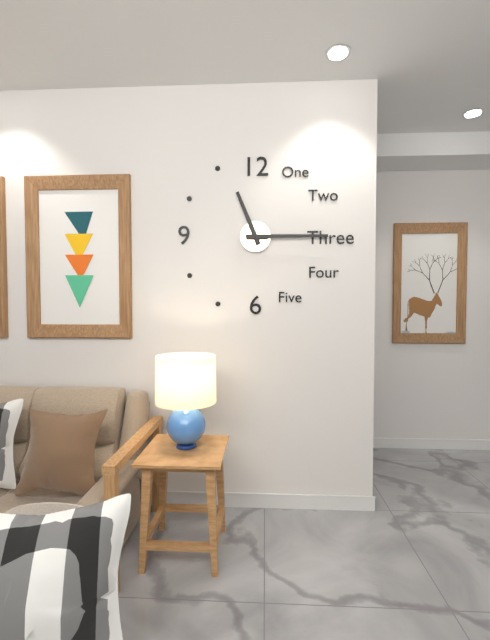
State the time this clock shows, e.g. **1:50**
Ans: **11:15**
